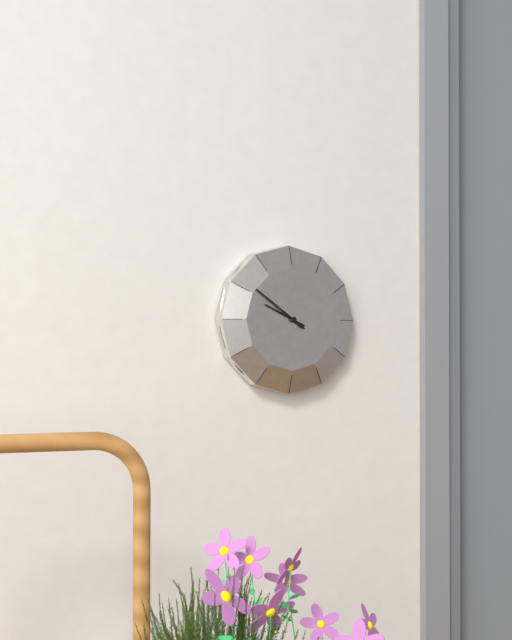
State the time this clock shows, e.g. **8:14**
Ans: **9:51**
